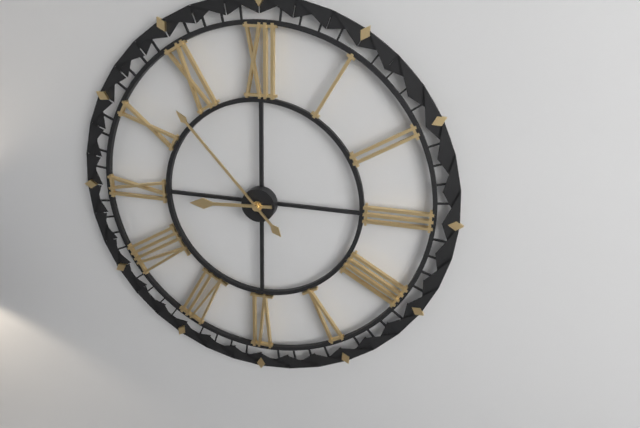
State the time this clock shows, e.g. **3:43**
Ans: **8:53**
